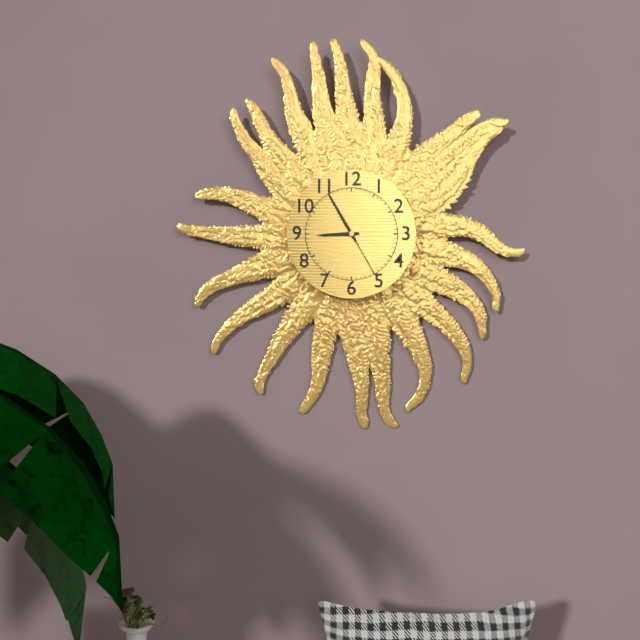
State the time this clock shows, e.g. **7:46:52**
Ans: **8:55:25**
